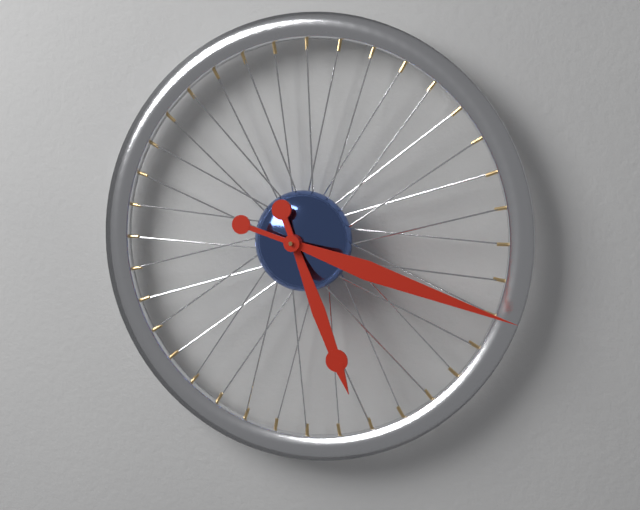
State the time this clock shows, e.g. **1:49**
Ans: **5:18**
